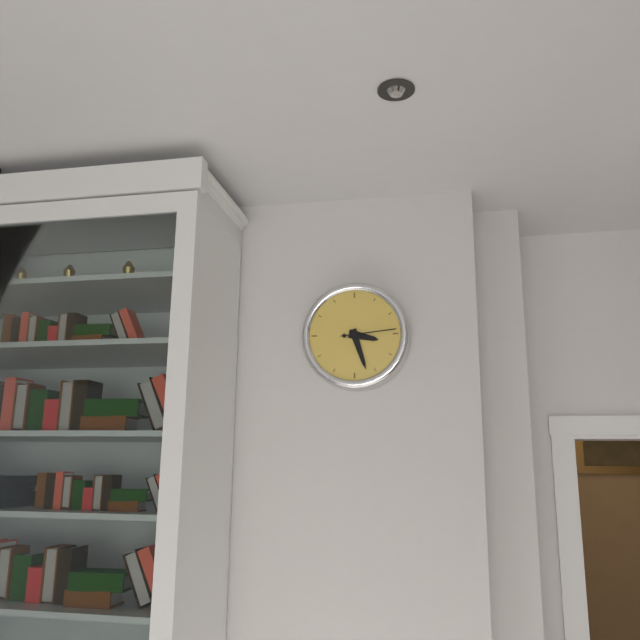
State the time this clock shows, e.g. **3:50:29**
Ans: **3:27:14**
